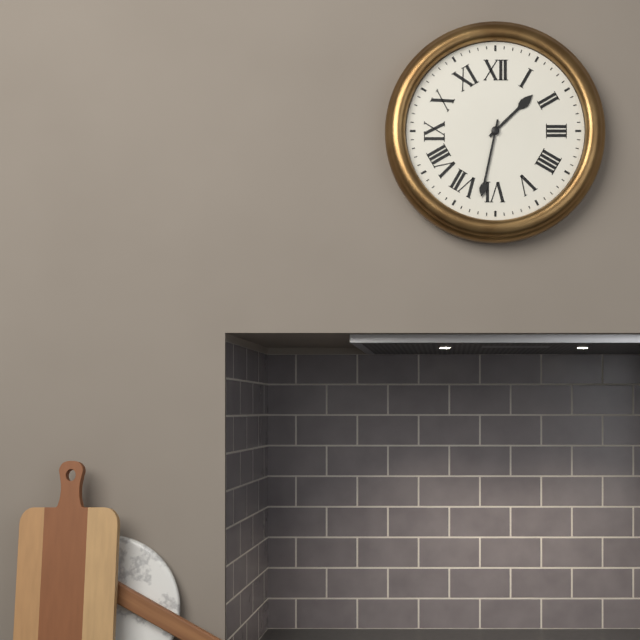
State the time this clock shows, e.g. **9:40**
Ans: **1:32**
